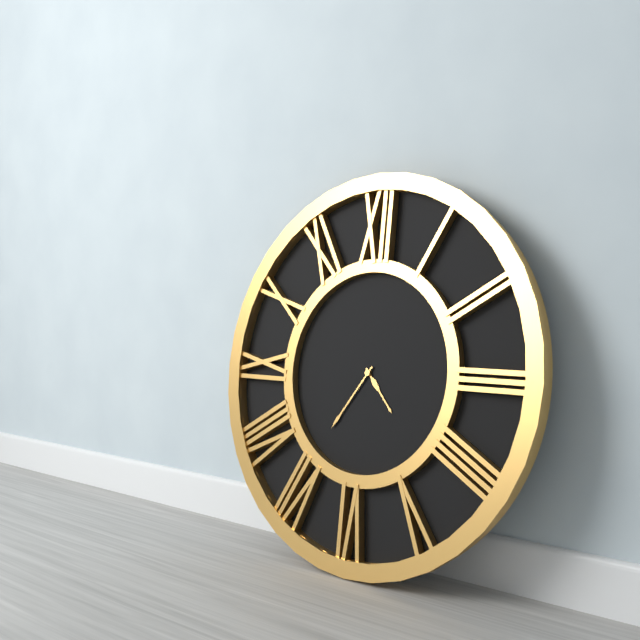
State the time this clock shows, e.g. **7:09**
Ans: **4:36**
